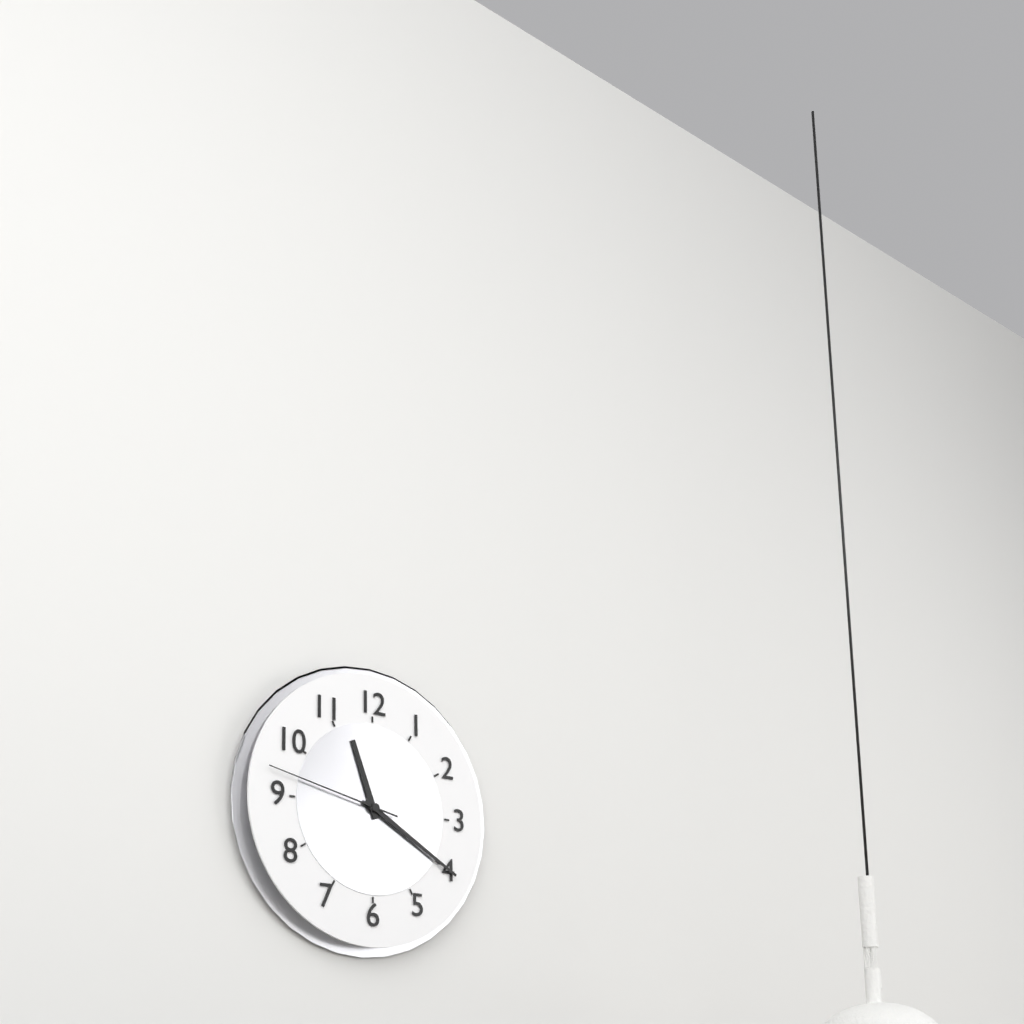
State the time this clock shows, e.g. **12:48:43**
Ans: **11:20:47**
